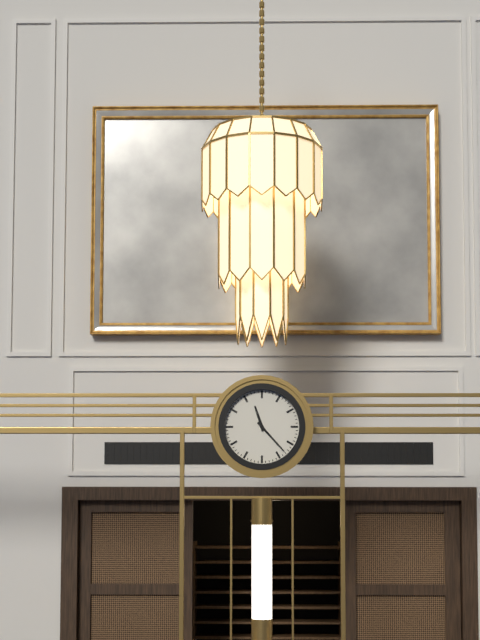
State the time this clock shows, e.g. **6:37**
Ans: **11:23**
